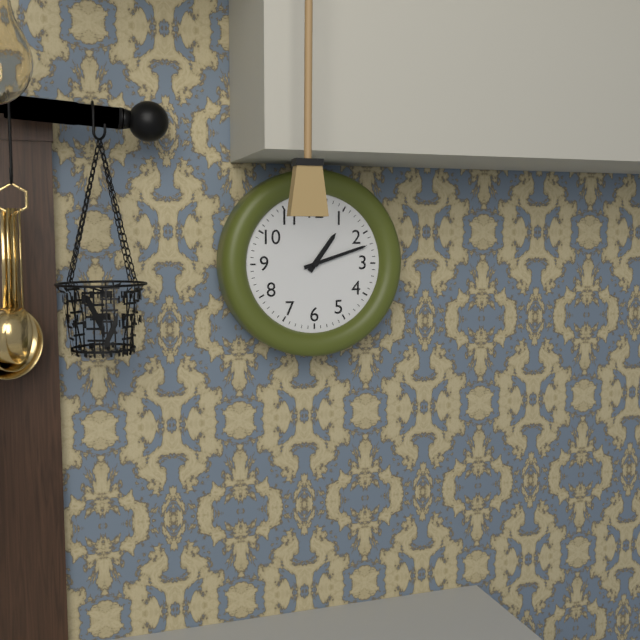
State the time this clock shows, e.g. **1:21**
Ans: **1:12**
